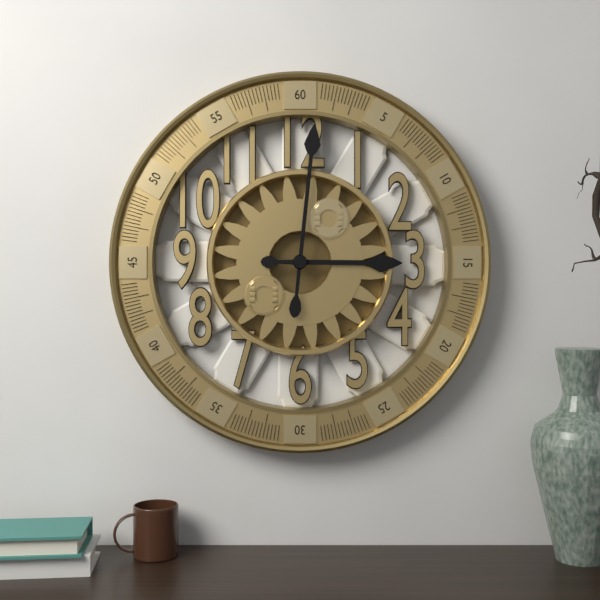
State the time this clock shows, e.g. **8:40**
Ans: **3:01**
